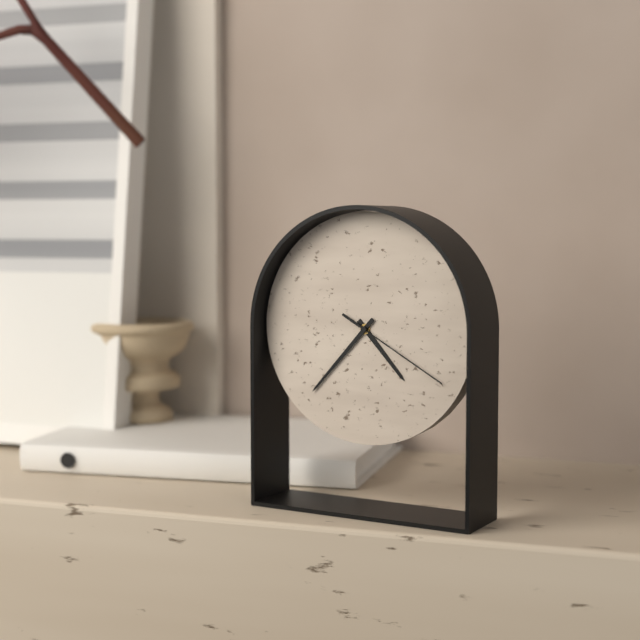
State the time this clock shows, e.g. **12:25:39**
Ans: **4:37:20**
